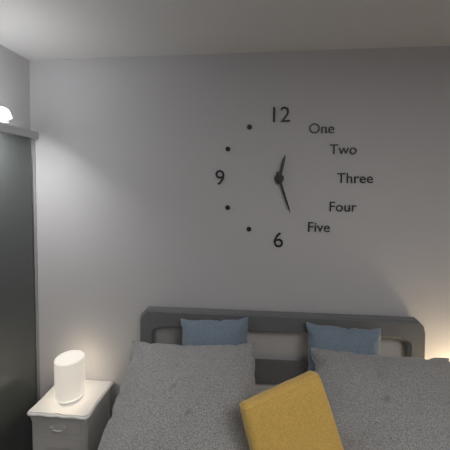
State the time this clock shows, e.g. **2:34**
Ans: **12:27**
